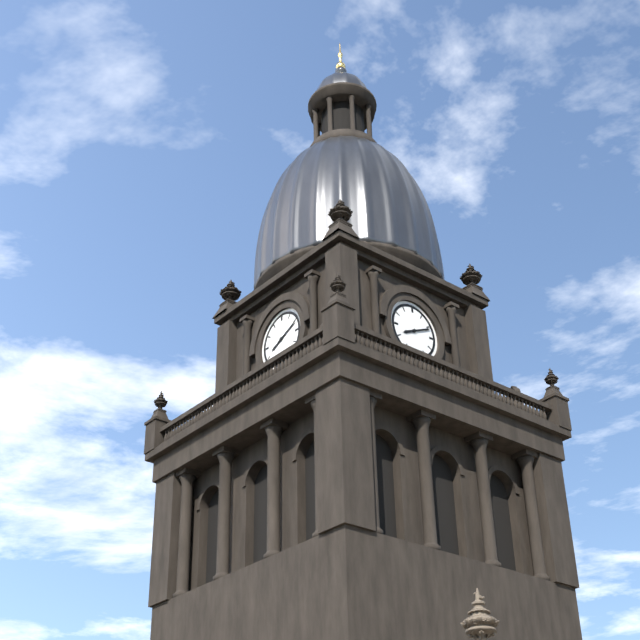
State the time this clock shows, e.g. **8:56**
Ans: **8:11**
